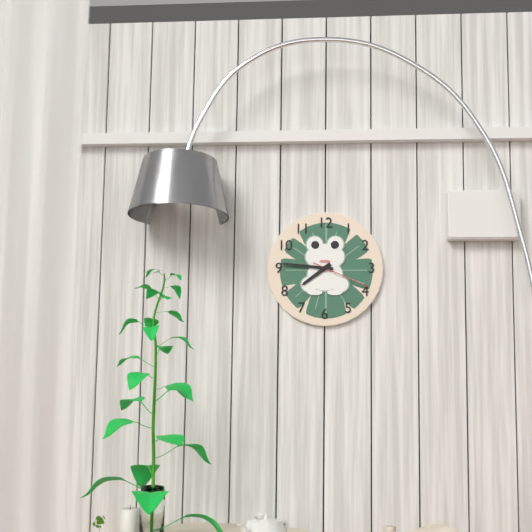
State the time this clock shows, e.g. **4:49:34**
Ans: **7:46:19**
